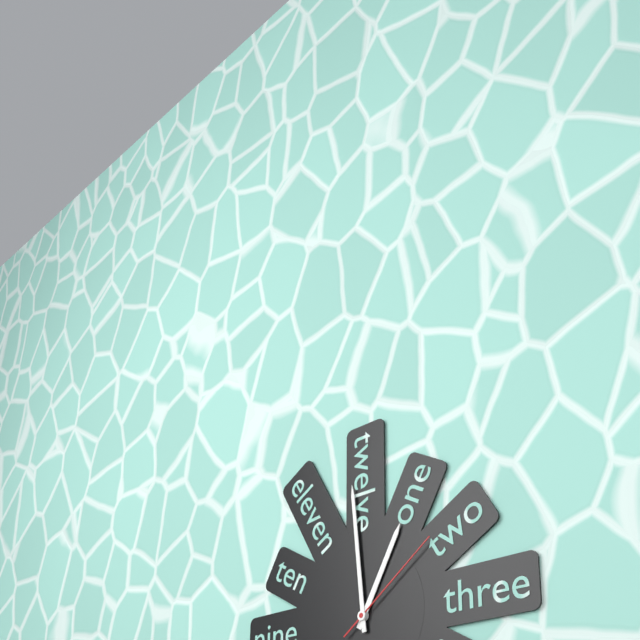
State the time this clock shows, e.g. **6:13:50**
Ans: **12:59:09**
